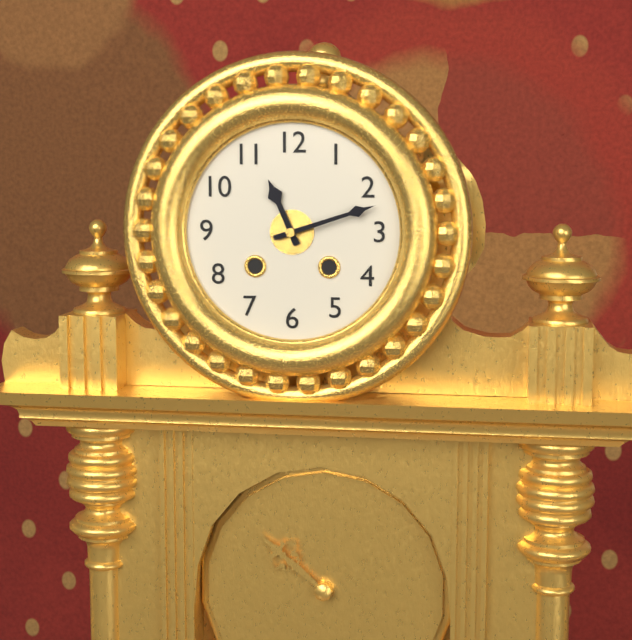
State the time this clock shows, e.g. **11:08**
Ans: **11:12**
